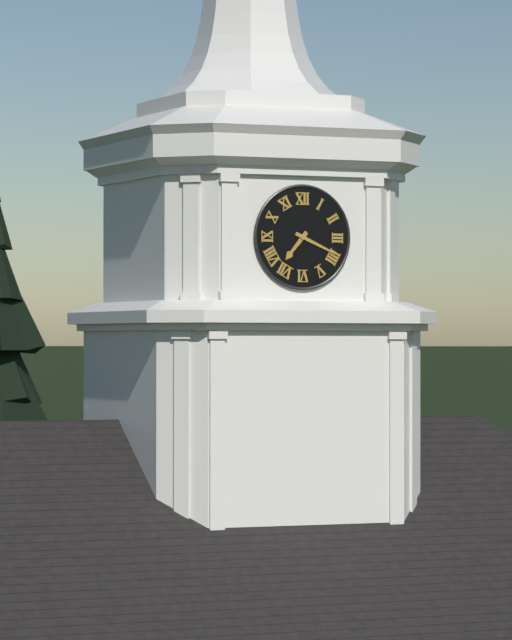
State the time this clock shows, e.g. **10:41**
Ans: **7:19**
